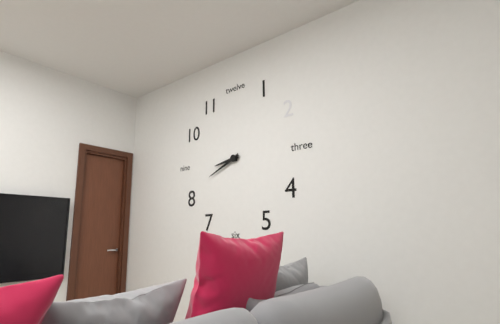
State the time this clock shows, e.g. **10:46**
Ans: **8:41**
